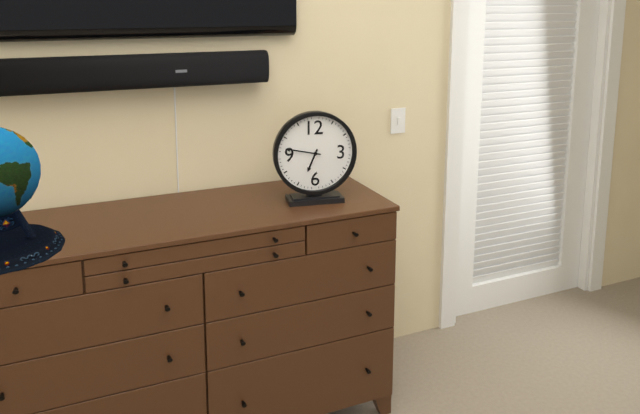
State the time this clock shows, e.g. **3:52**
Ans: **6:47**
